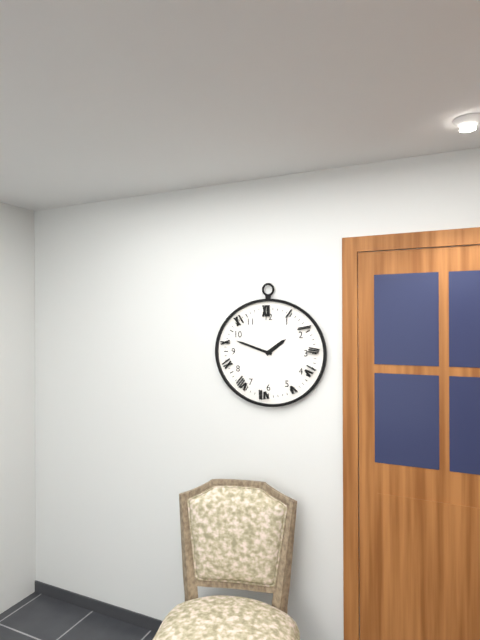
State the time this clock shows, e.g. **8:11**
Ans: **1:48**
